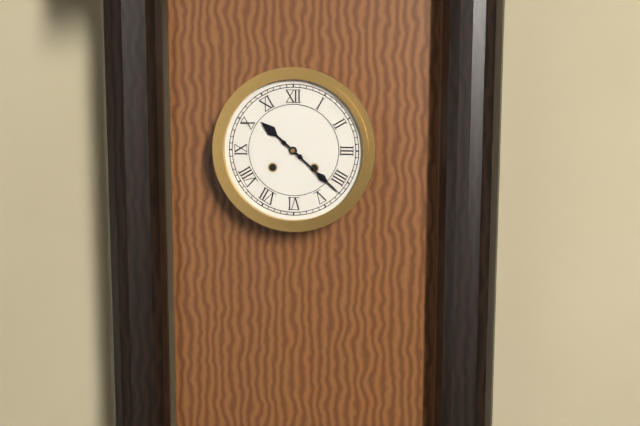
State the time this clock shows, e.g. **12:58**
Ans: **10:22**
